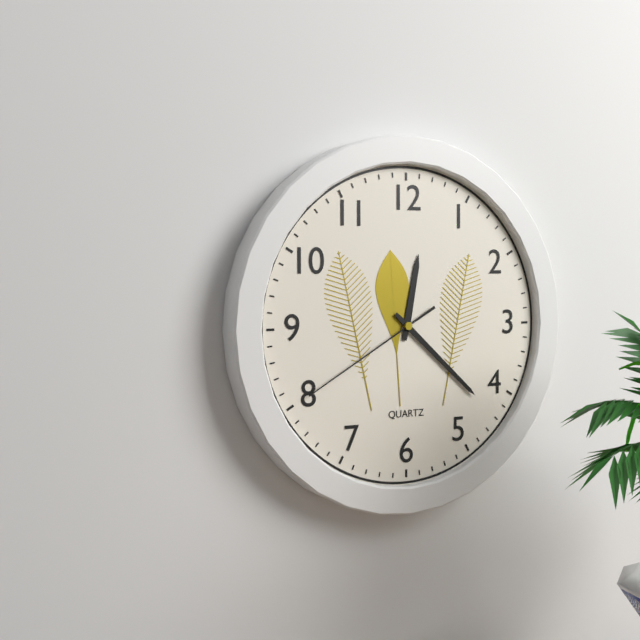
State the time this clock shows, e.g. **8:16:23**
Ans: **12:22:40**
